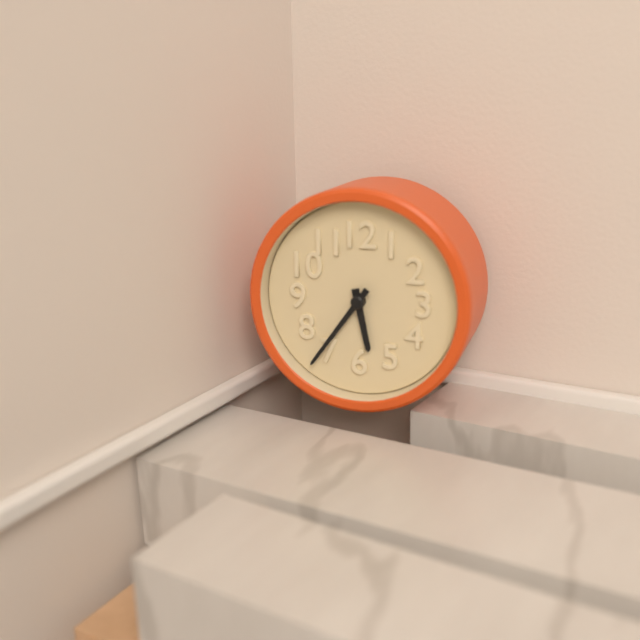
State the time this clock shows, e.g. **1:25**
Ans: **5:36**
